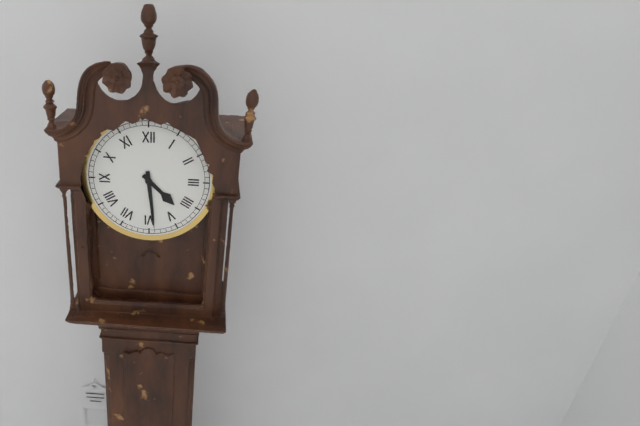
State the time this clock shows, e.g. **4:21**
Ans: **4:29**
